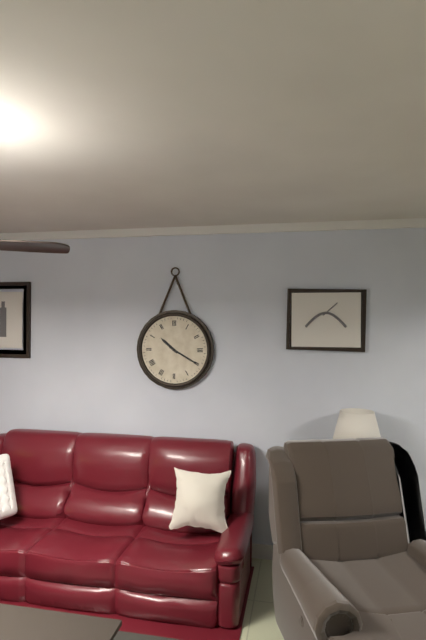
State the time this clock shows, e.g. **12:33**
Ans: **10:20**
